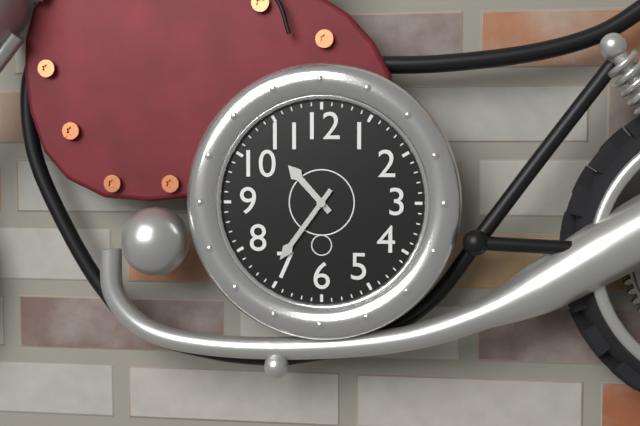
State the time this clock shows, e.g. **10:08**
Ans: **10:36**
